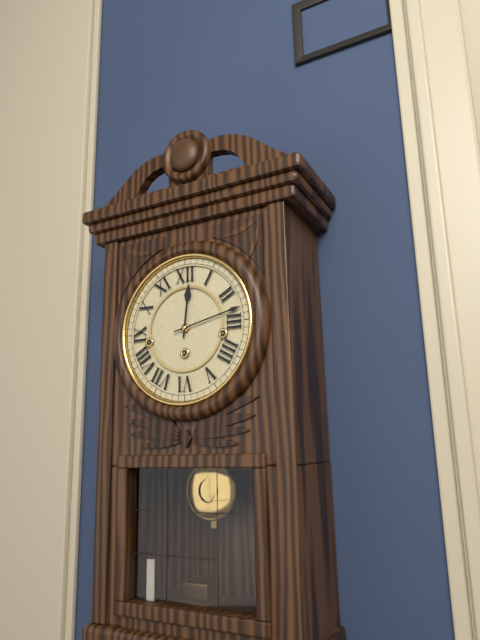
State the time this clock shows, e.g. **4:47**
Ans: **12:13**
